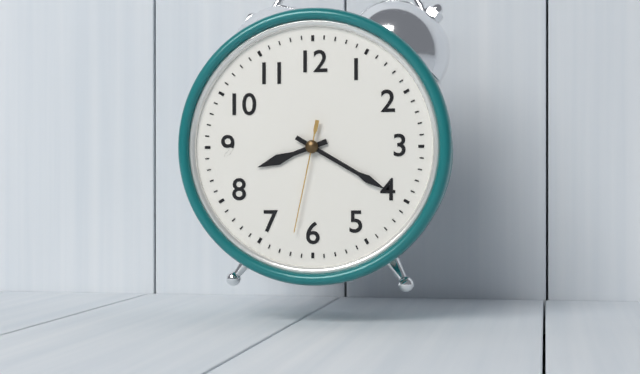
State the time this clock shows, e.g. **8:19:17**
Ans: **8:20:32**
